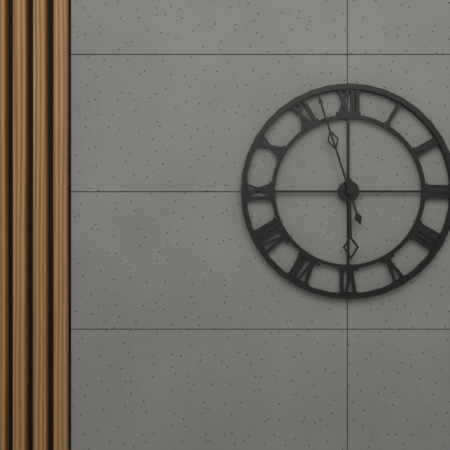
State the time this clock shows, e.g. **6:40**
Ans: **5:57**
